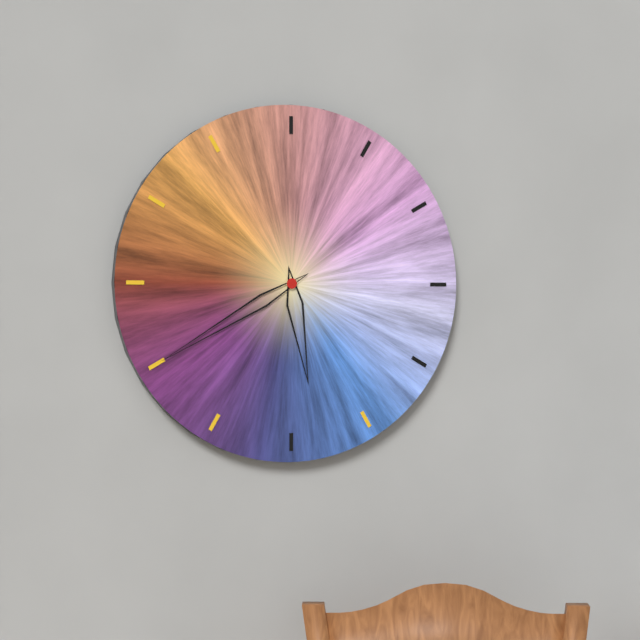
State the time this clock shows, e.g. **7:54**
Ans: **5:40**
